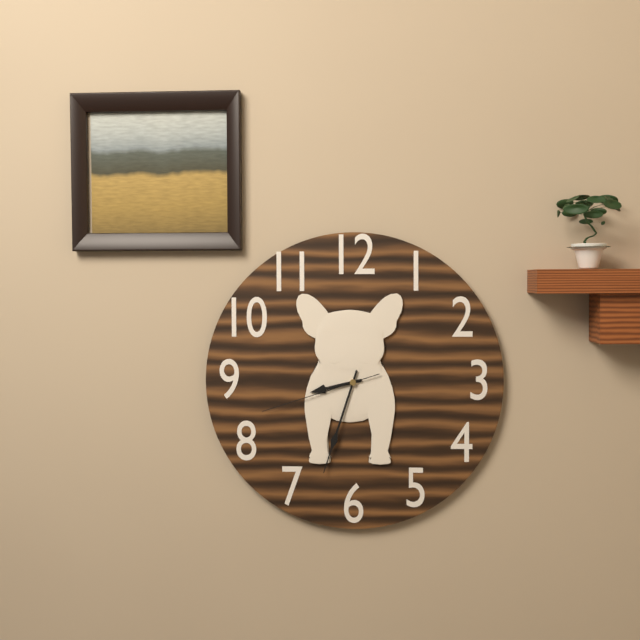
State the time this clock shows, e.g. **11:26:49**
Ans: **8:33:42**
